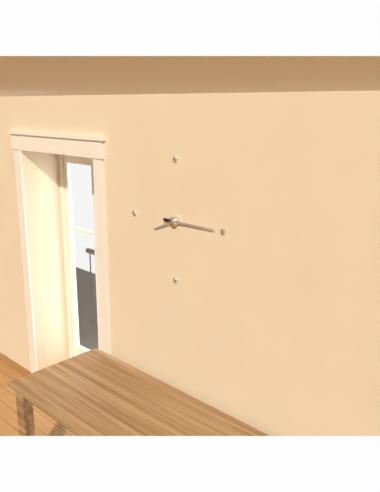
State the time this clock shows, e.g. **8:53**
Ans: **8:15**
